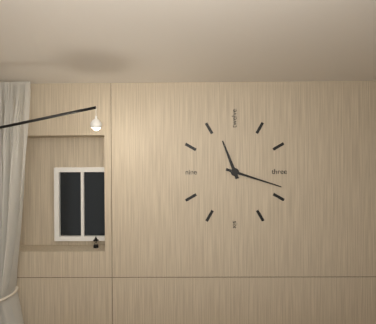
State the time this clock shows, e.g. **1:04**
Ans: **11:18**
